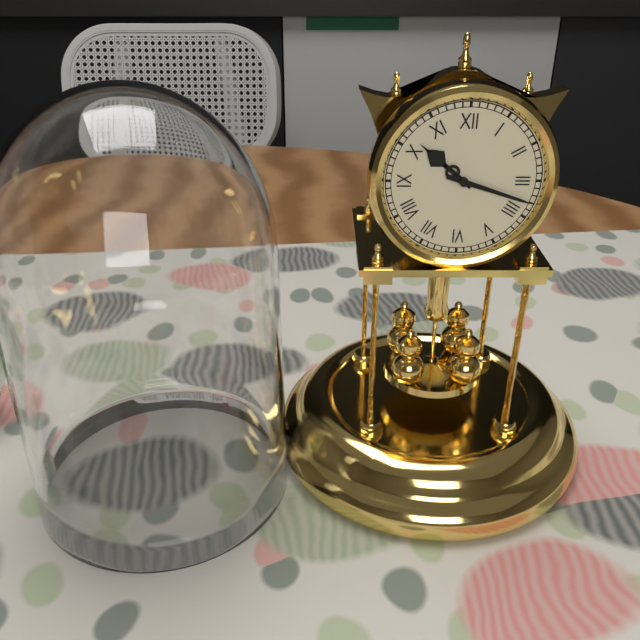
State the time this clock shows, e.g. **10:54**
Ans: **10:18**
